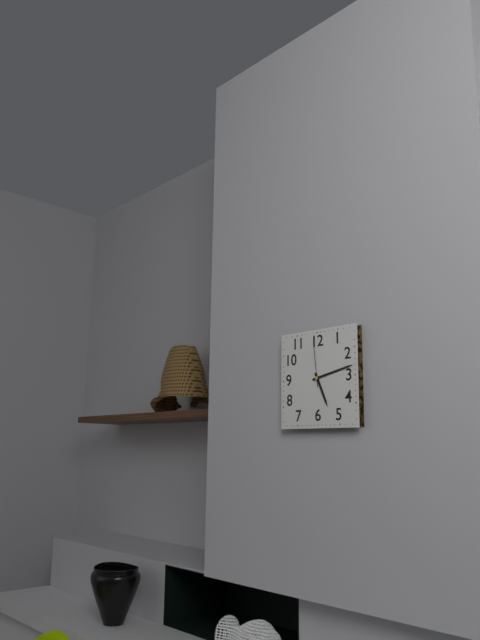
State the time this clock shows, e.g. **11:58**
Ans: **5:13**
